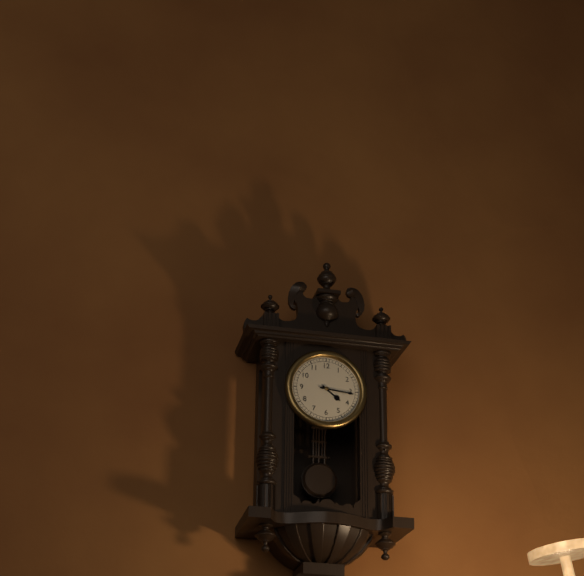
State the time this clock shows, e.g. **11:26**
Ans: **4:16**
